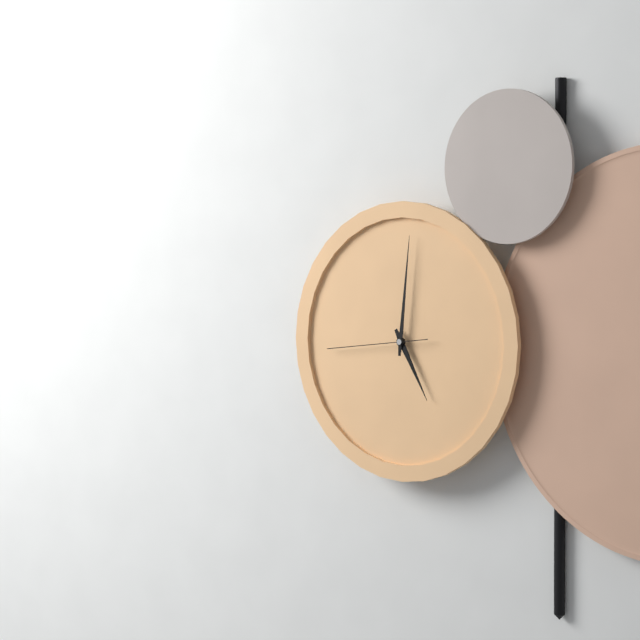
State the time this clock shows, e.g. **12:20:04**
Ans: **5:01:44**
